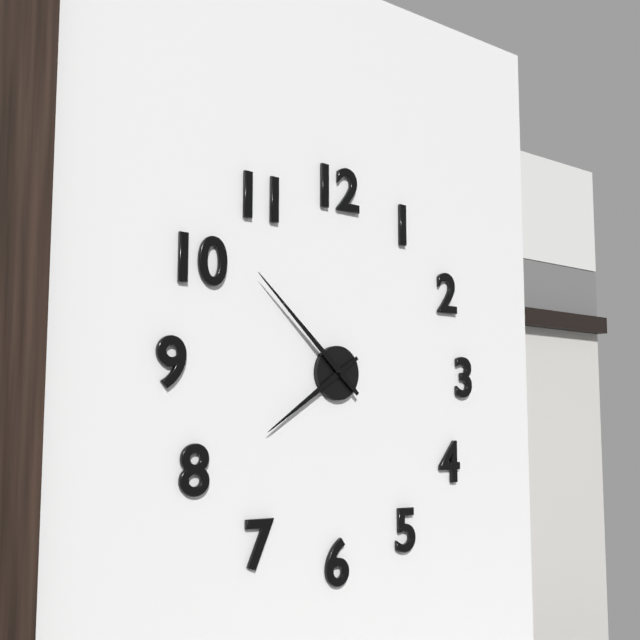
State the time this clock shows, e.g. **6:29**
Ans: **7:52**
